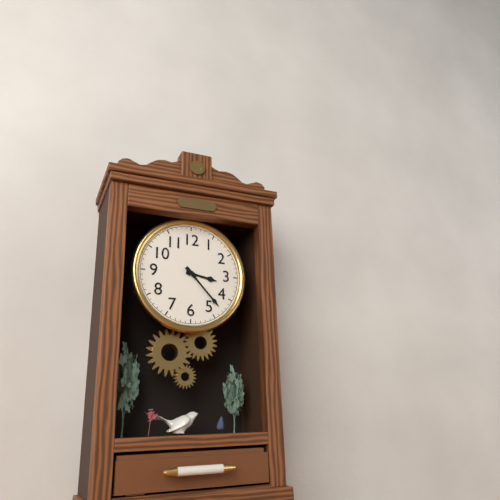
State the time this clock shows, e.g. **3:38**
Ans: **3:23**
